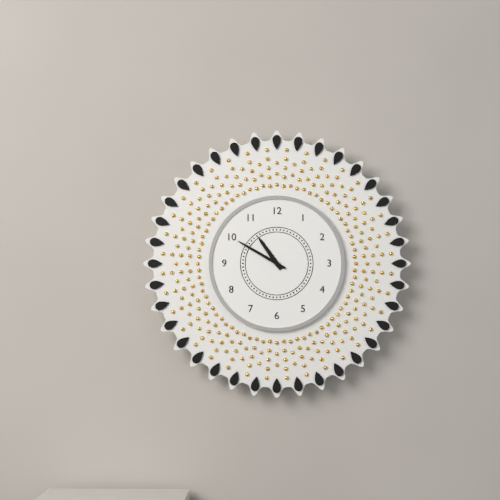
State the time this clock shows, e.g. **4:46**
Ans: **10:50**
